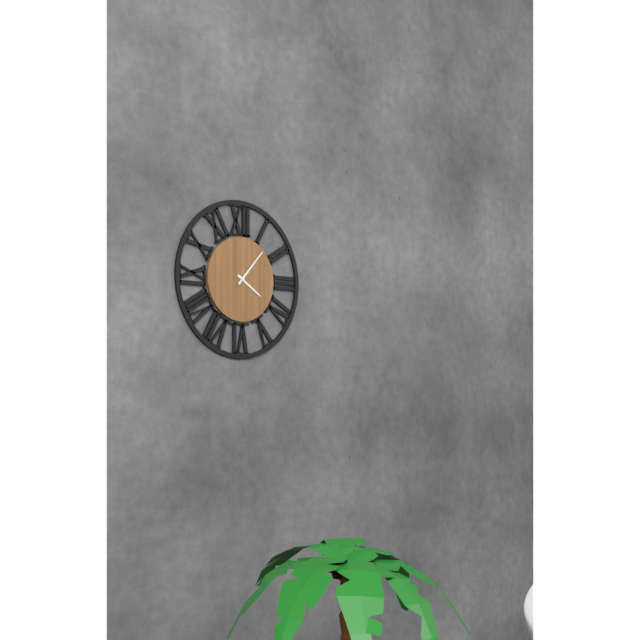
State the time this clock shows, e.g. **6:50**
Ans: **4:07**
